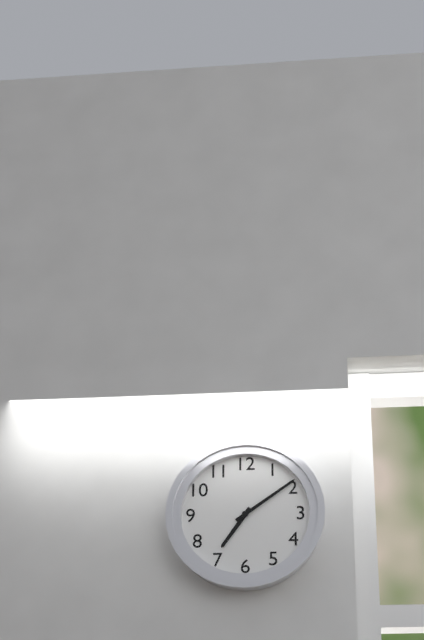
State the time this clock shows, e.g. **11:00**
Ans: **7:09**
